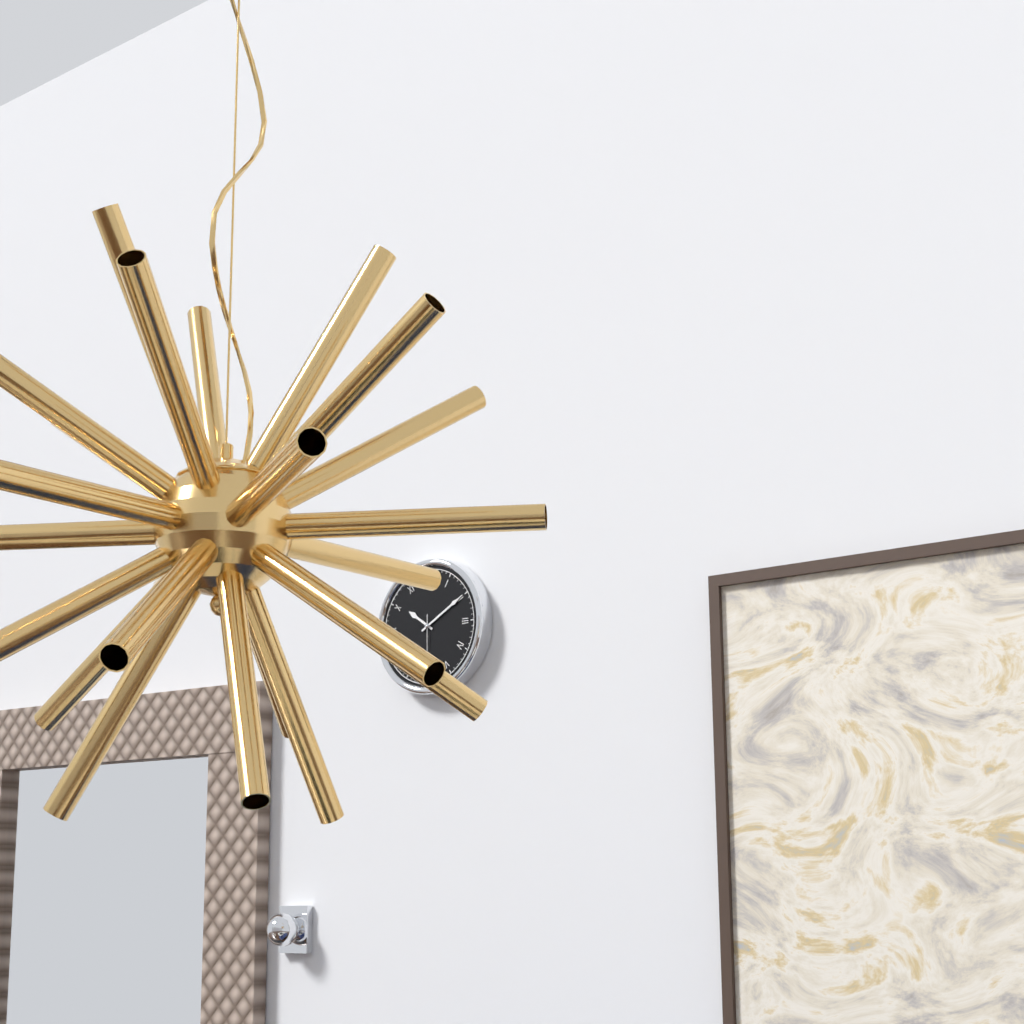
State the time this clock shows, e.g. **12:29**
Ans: **10:10**
